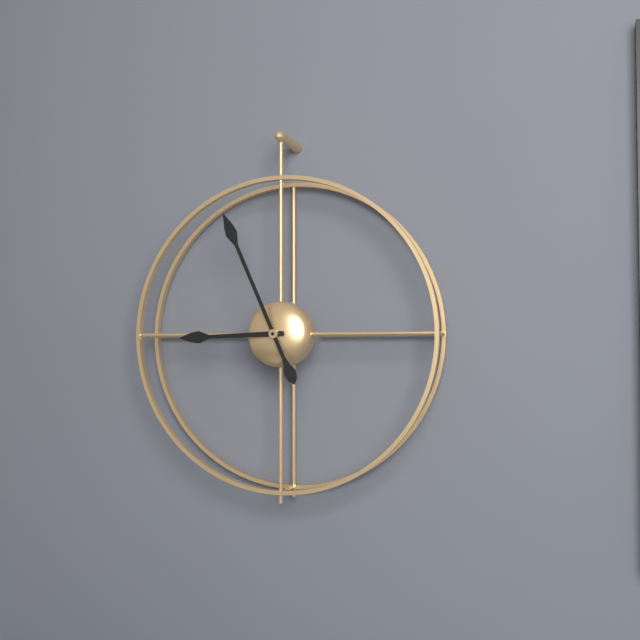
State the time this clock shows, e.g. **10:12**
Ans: **8:56**
